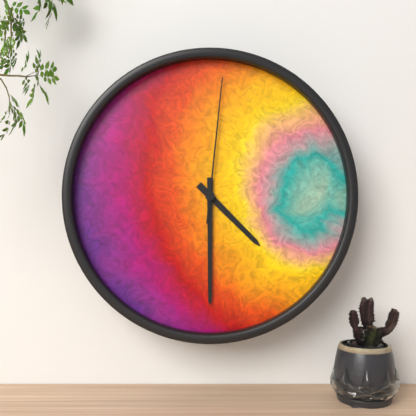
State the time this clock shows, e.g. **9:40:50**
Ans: **4:30:01**
